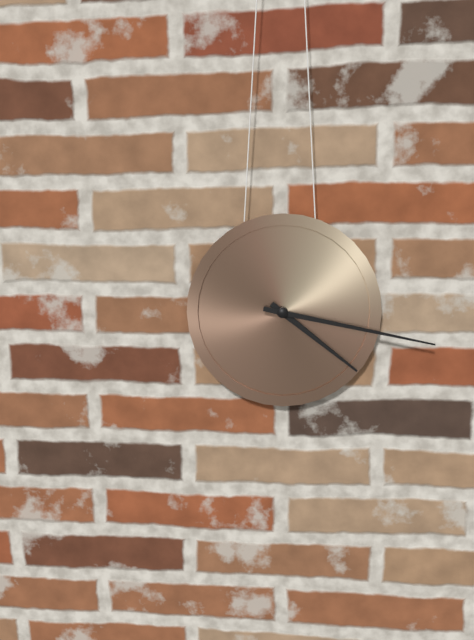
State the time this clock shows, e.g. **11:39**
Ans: **4:17**
